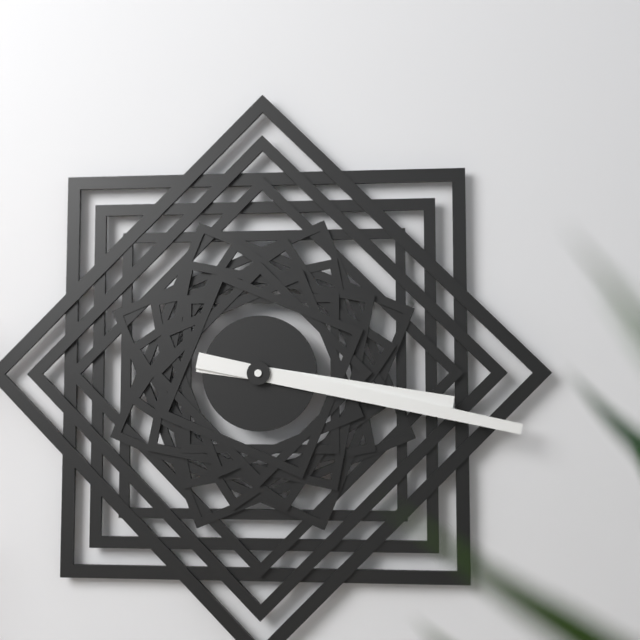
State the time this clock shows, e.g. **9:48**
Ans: **3:17**
